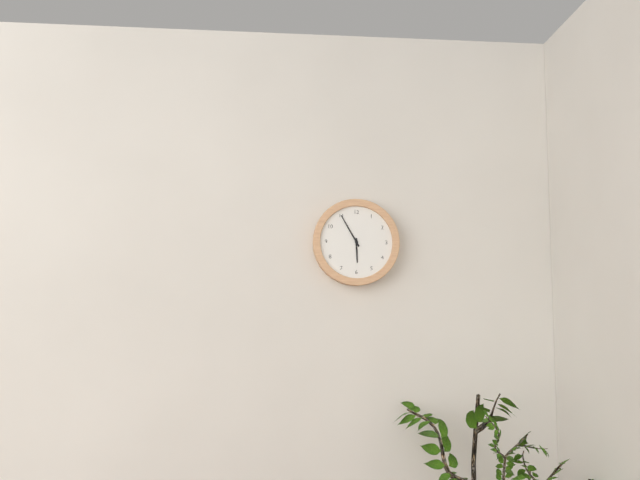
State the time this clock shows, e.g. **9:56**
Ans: **5:55**
